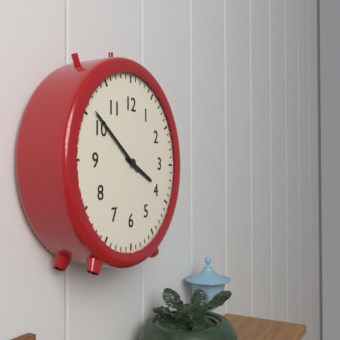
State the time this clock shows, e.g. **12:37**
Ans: **3:51**
